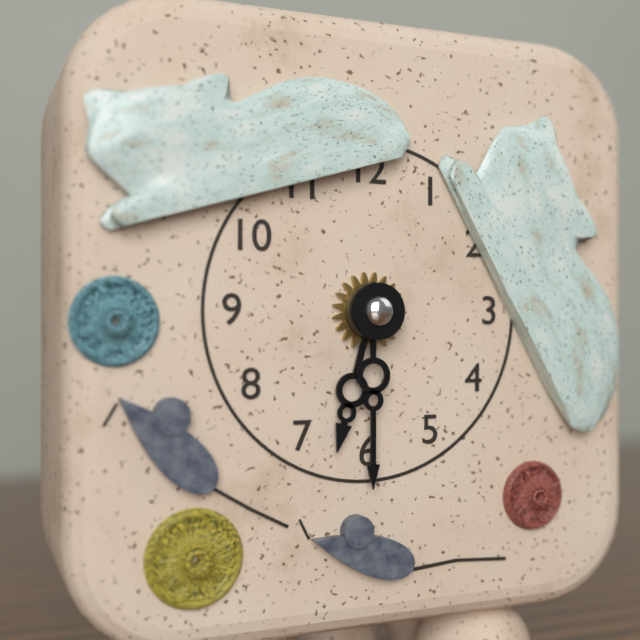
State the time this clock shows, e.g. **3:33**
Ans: **6:30**
